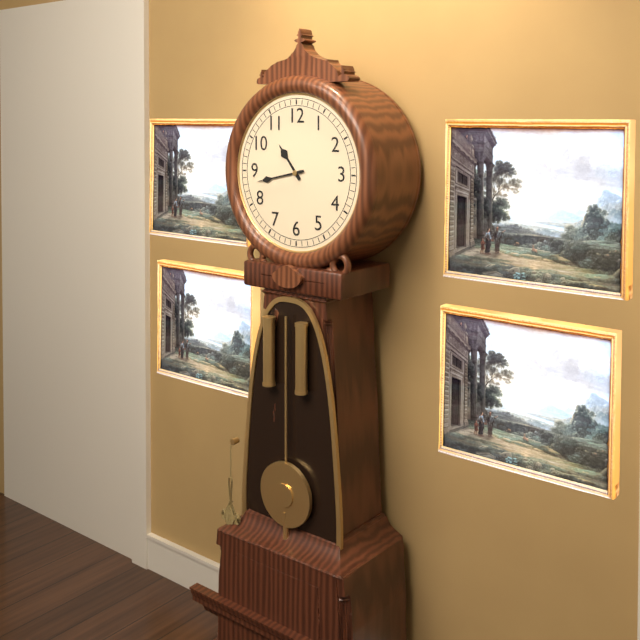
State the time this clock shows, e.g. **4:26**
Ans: **10:43**
